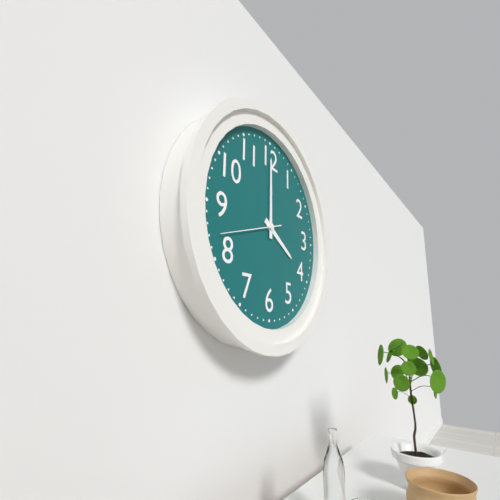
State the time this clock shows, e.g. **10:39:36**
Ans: **4:00:42**
